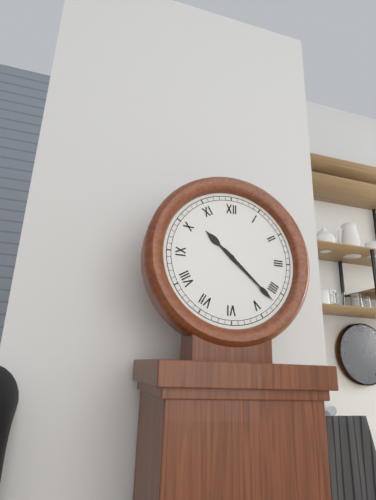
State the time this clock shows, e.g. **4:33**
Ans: **10:22**
